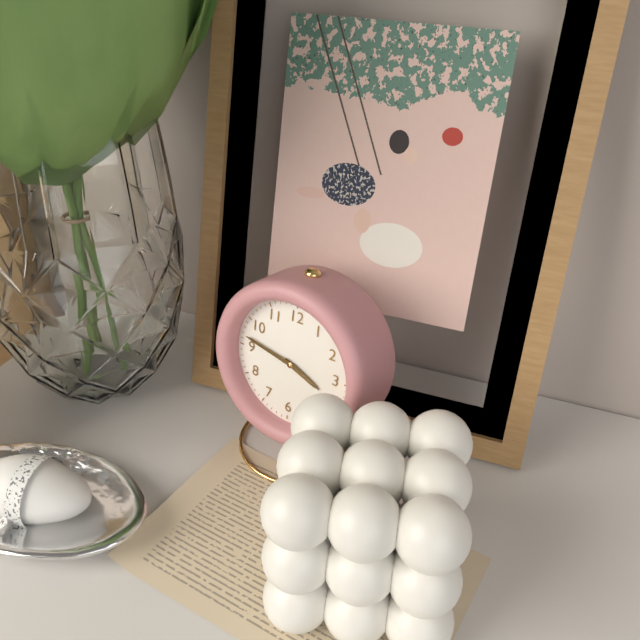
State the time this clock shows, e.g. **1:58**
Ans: **3:47**
